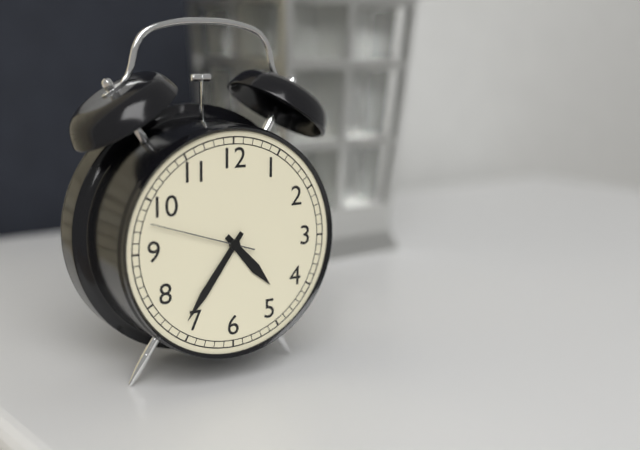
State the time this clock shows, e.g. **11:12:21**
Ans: **4:36:48**
